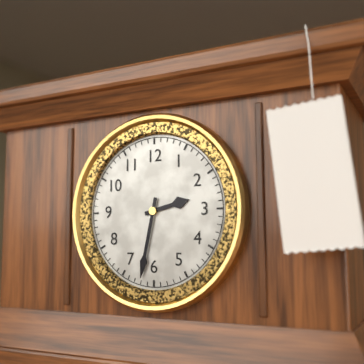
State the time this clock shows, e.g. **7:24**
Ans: **2:32**
